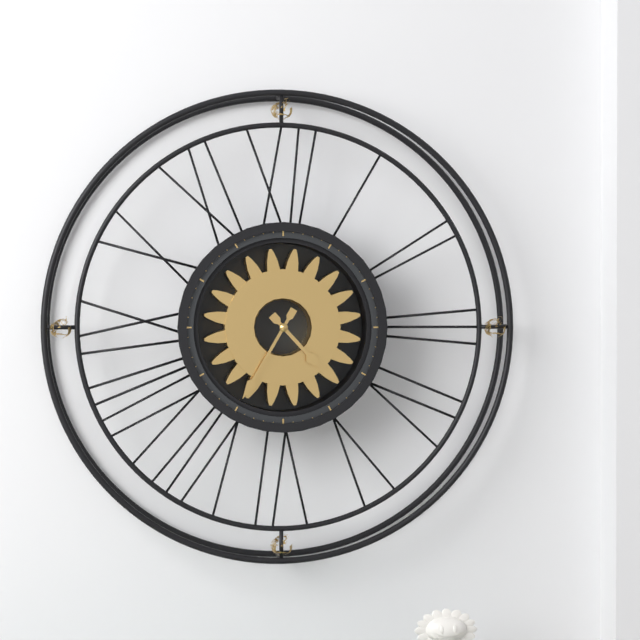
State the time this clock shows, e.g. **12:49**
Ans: **4:35**
